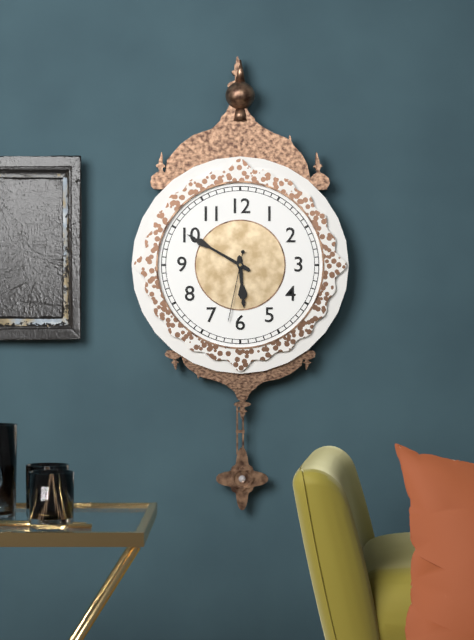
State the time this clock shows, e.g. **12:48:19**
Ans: **5:50:32**
